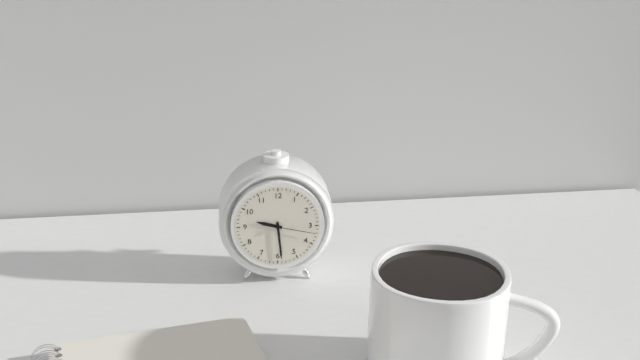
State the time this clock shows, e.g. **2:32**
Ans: **9:29**
